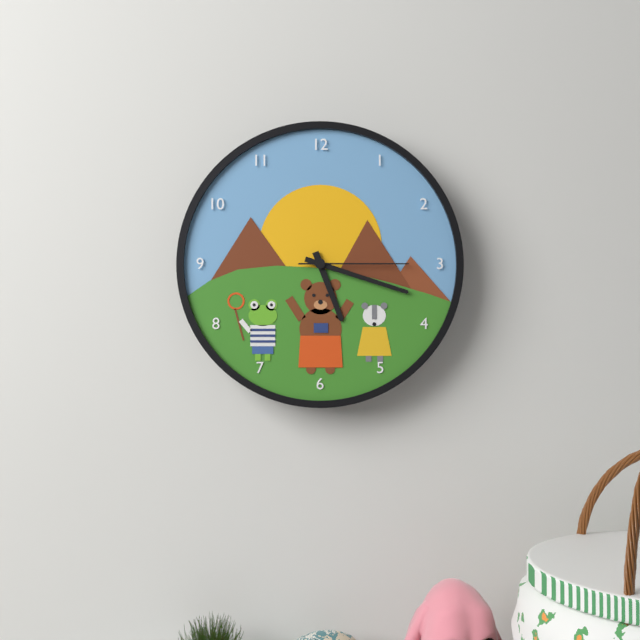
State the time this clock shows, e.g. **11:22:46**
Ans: **5:18:15**
